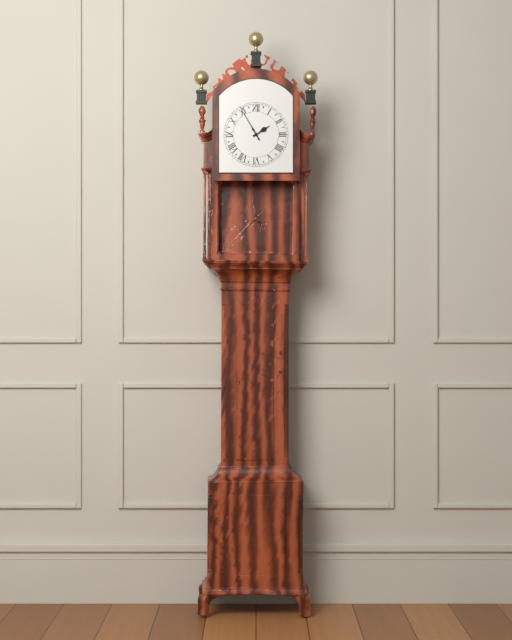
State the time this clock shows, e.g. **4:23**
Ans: **1:55**
